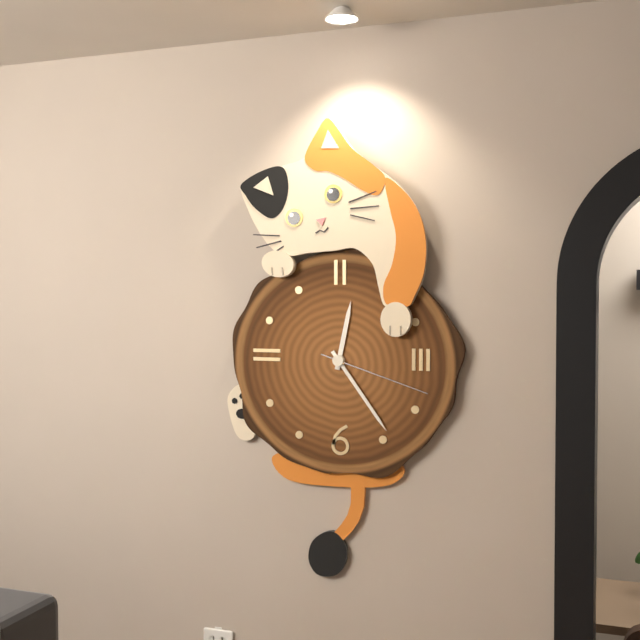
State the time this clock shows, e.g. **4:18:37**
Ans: **12:24:18**
